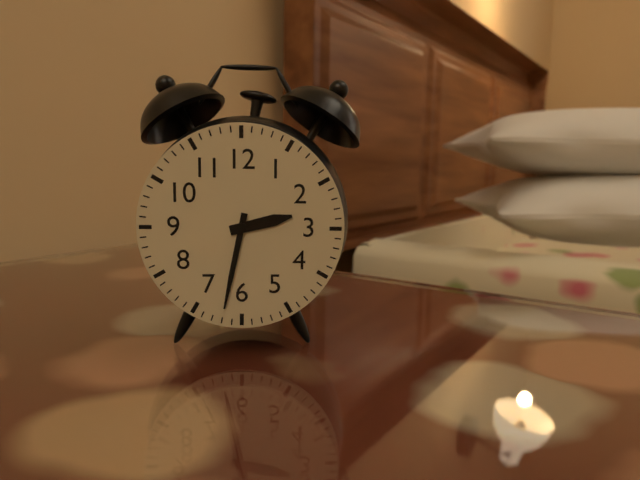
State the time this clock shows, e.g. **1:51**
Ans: **2:32**
